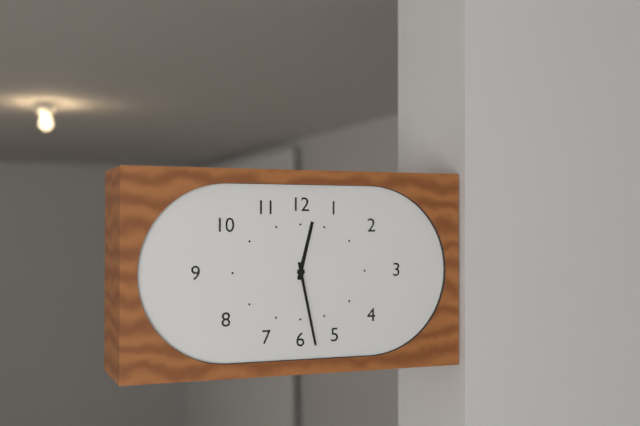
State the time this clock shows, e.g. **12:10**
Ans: **12:28**
